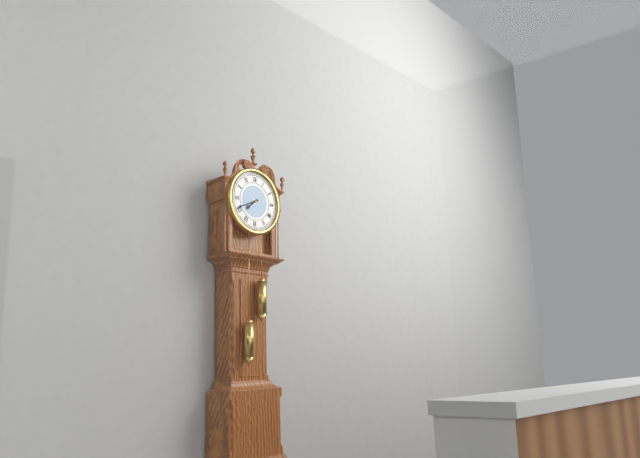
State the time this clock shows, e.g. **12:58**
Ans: **7:41**
